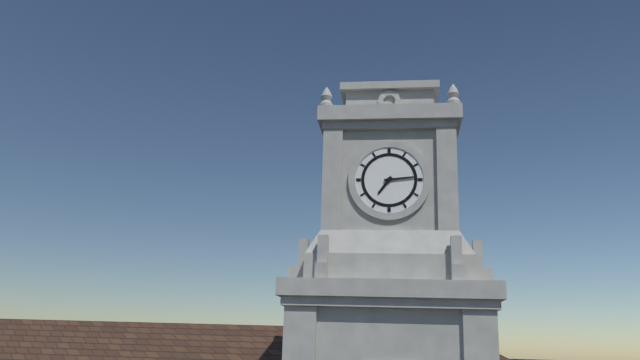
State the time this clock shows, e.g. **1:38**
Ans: **7:14**
